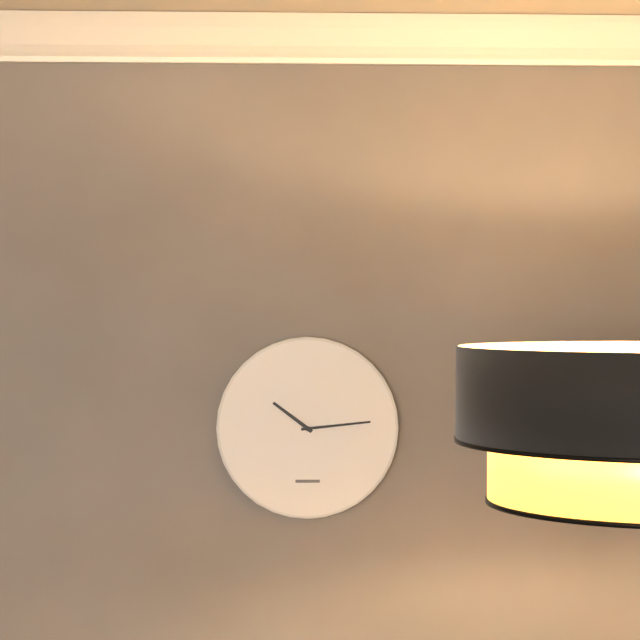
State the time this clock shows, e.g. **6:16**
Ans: **10:14**
